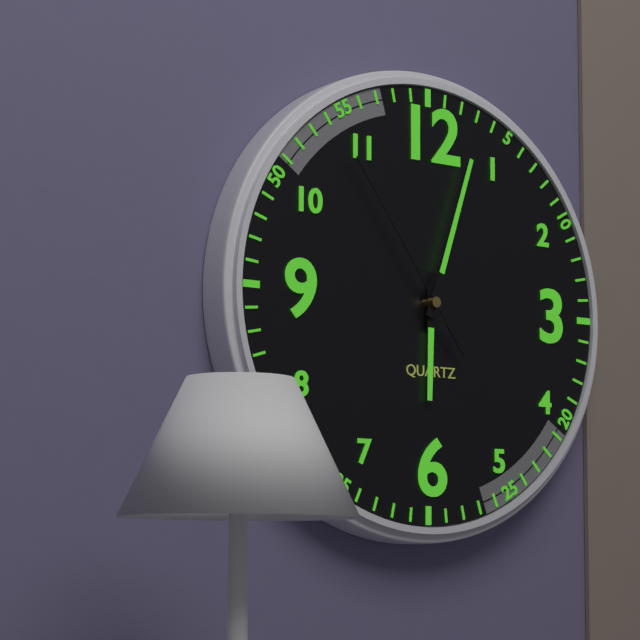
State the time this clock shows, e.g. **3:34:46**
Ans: **6:03:54**
